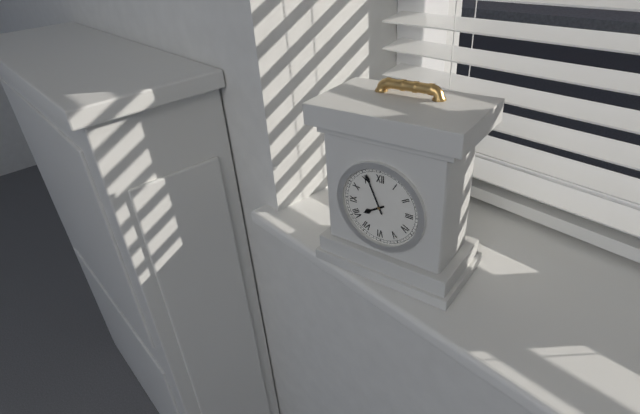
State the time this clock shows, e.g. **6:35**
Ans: **7:56**
